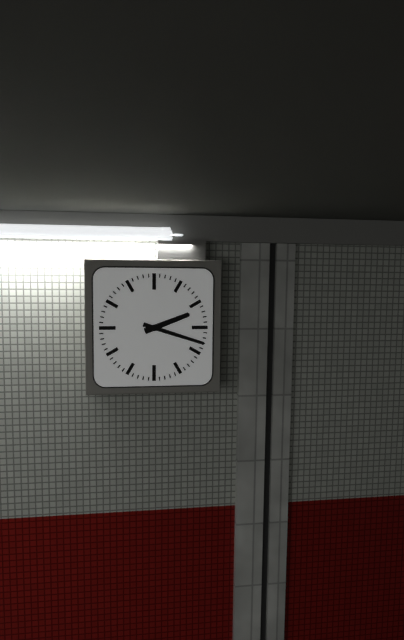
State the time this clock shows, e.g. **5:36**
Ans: **2:18**
